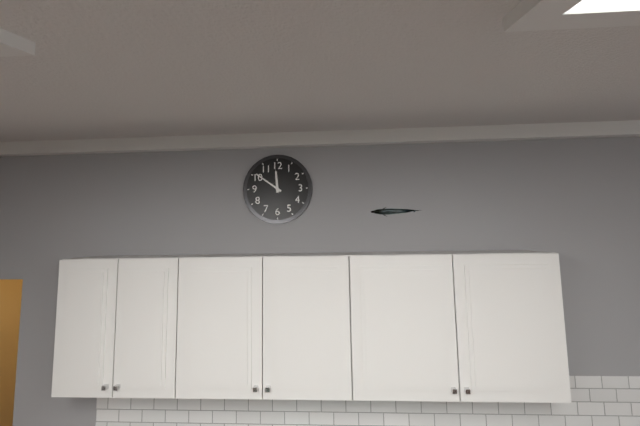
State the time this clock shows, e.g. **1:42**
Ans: **11:51**
